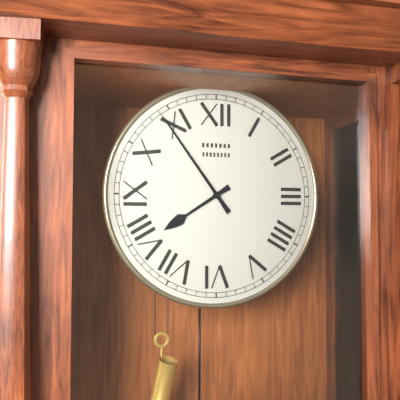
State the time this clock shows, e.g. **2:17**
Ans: **7:54**
